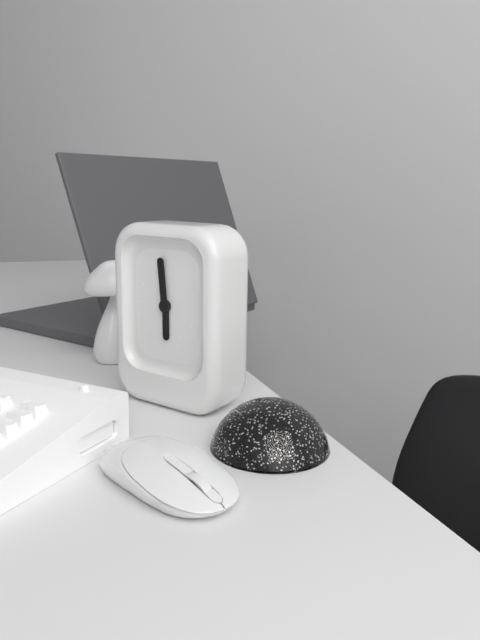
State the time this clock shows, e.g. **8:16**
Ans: **5:59**
